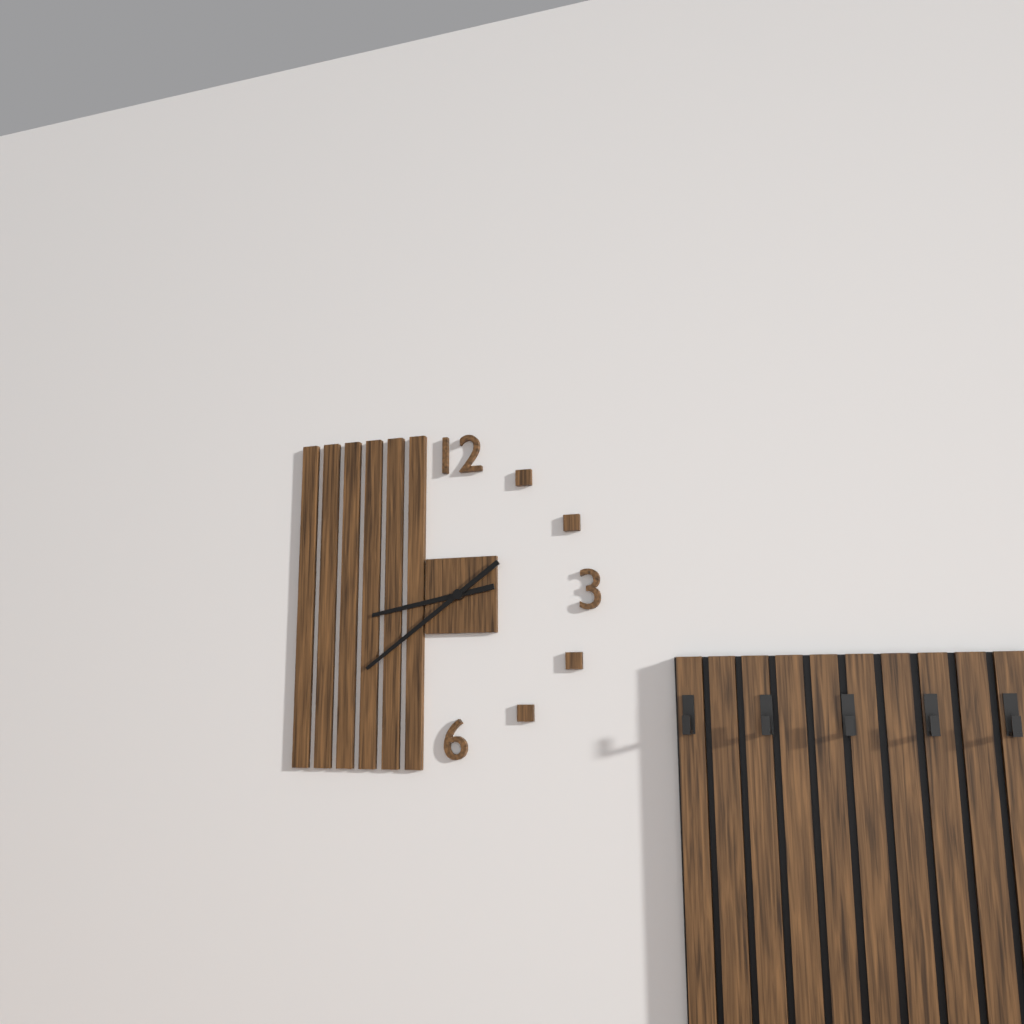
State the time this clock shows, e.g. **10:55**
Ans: **8:39**
